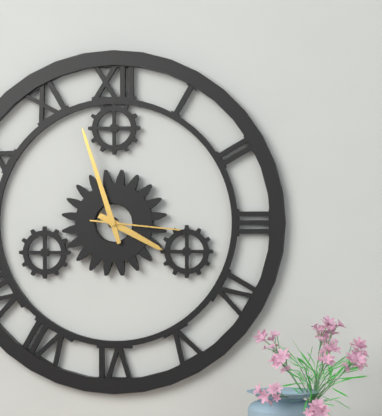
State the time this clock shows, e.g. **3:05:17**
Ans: **3:57:16**
